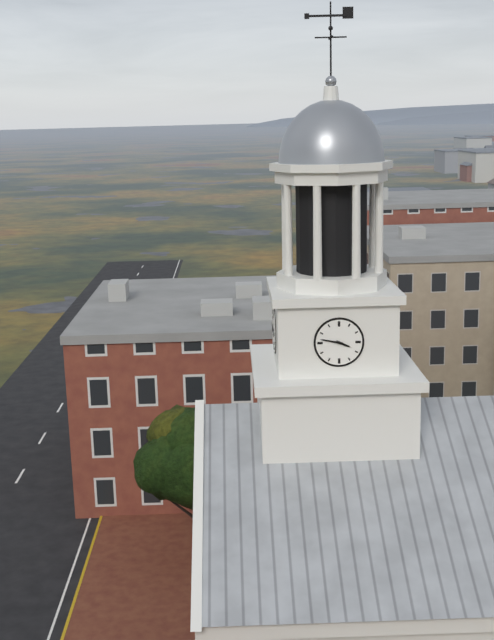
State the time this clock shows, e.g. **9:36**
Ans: **3:47**
